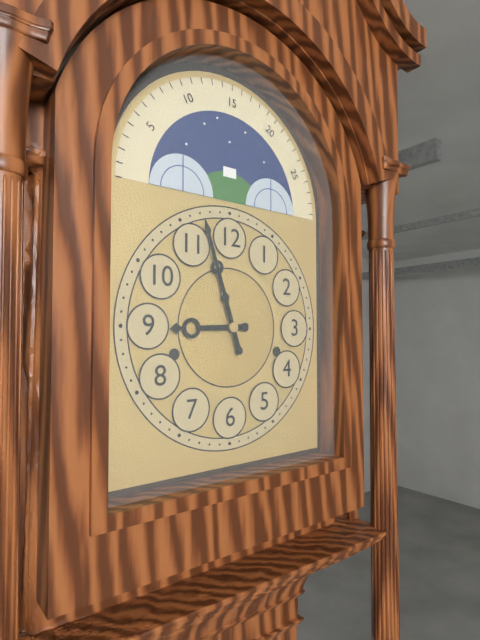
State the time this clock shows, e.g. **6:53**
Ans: **8:57**
